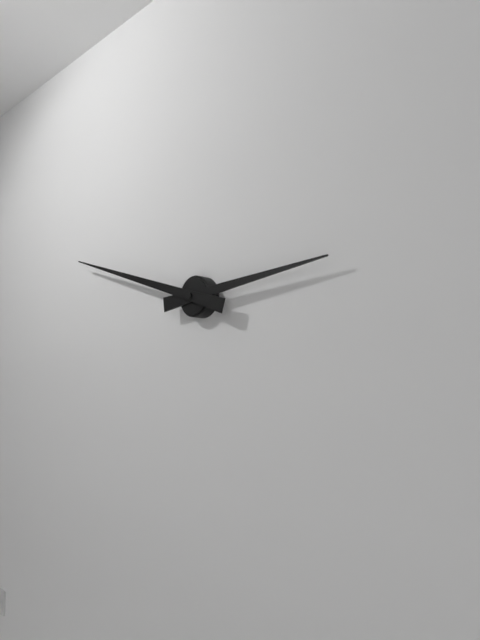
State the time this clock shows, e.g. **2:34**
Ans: **2:48**
